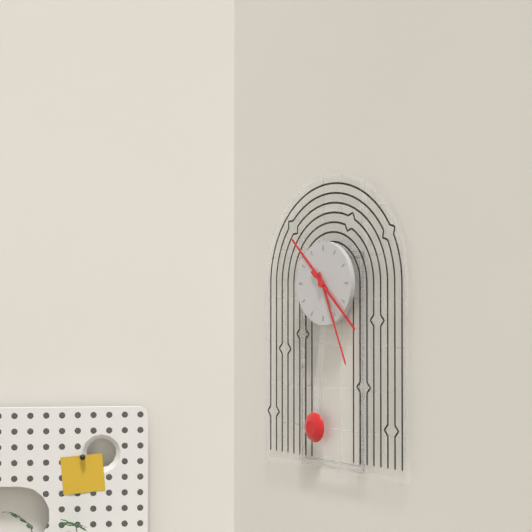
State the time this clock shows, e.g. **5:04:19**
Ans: **10:26:22**
